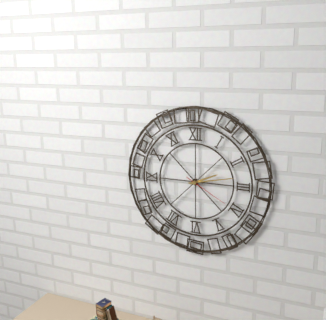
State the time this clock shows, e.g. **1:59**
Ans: **2:13**
